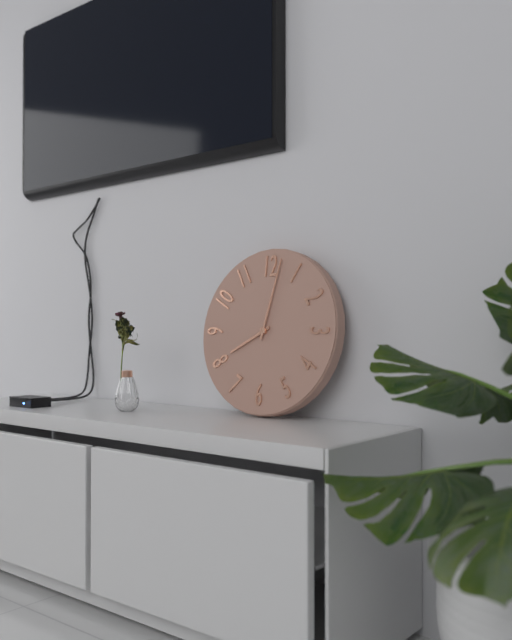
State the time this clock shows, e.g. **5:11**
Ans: **8:02**
